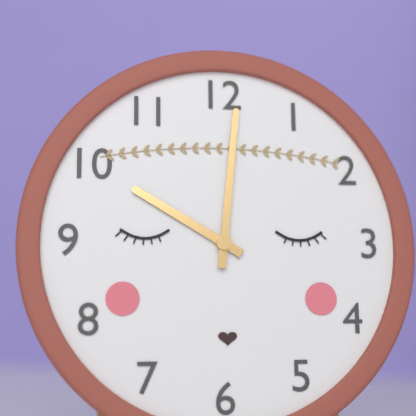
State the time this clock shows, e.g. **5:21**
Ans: **10:01**
